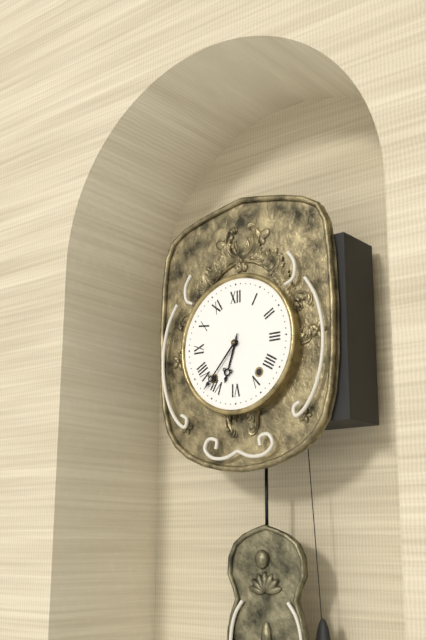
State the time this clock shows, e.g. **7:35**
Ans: **6:37**
